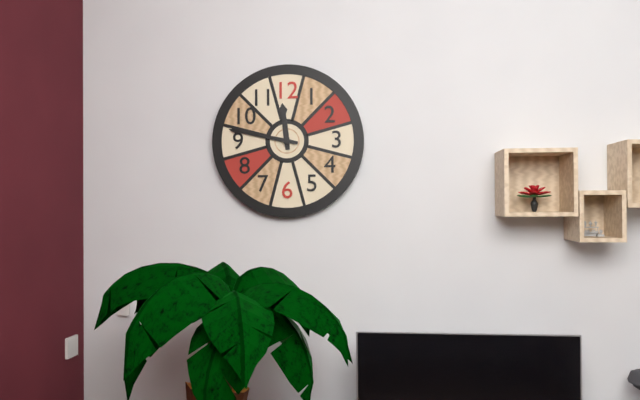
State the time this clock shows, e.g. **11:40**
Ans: **11:47**
